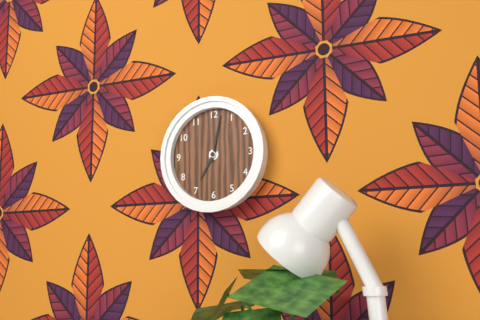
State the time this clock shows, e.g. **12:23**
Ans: **7:02**
